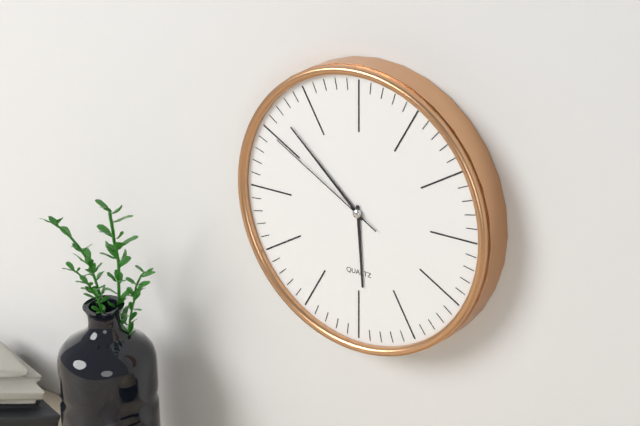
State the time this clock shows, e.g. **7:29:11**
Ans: **5:52:50**
